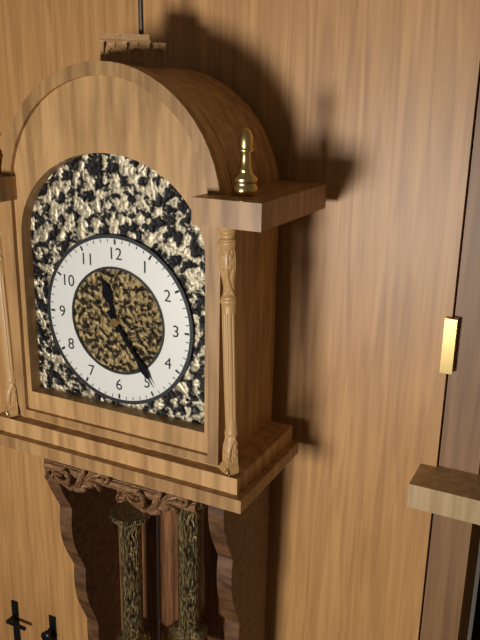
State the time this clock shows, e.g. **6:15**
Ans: **11:24**
